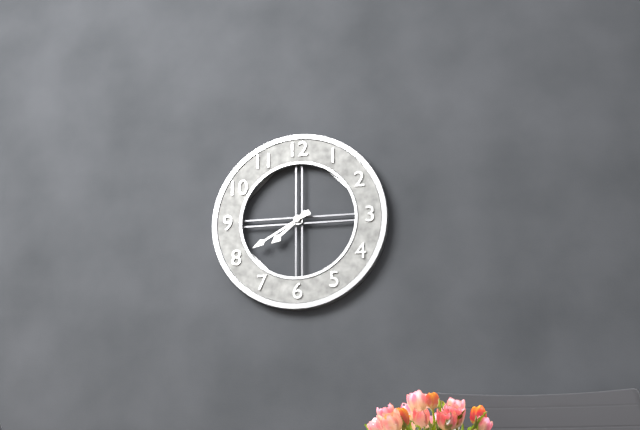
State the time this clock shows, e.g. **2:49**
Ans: **7:40**
